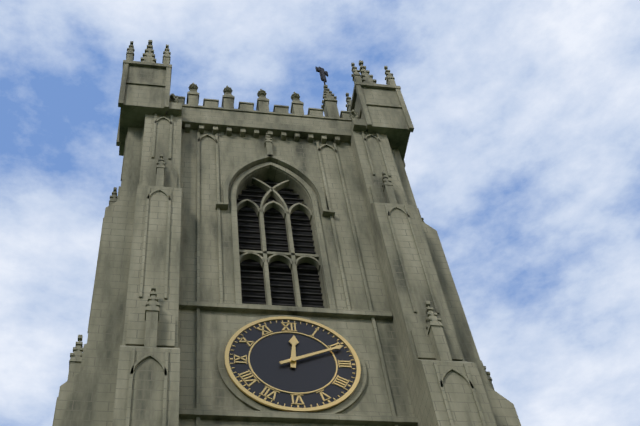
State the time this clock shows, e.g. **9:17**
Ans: **12:11**
